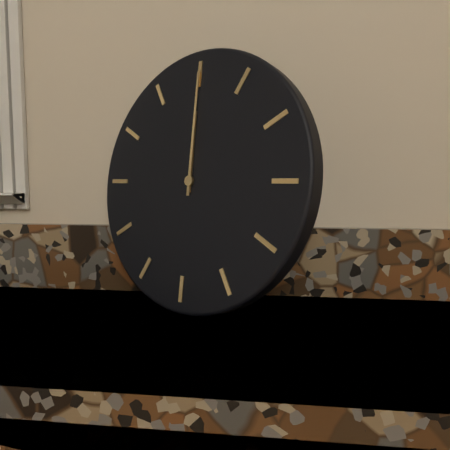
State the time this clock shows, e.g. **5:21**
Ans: **12:00**
